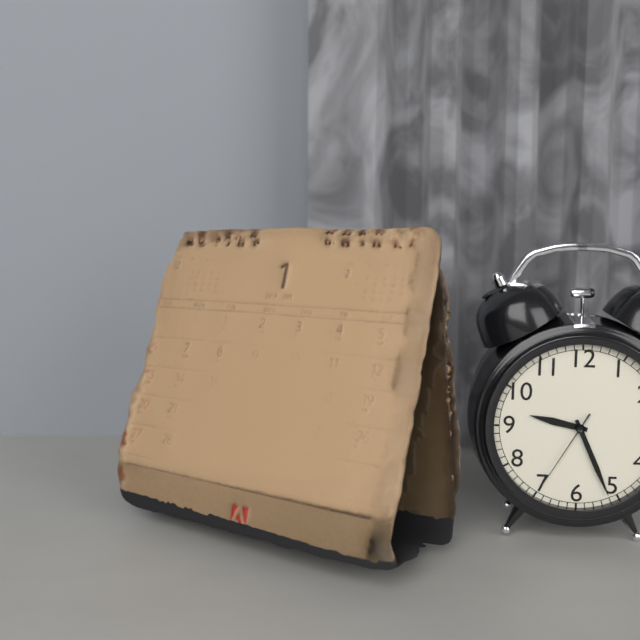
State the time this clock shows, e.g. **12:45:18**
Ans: **9:26:35**
